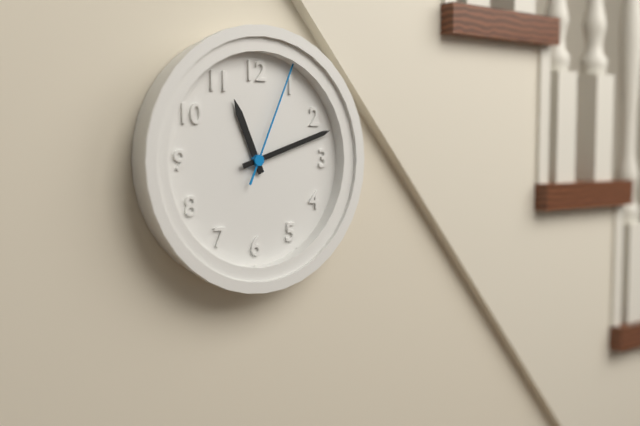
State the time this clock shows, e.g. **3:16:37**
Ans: **11:12:04**
